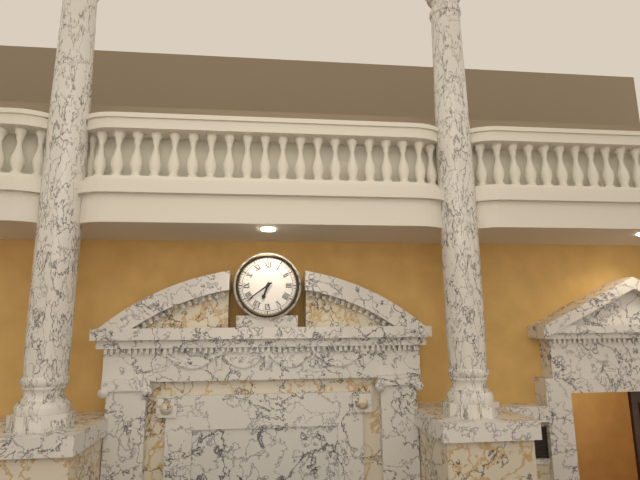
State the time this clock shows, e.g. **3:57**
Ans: **6:39**
